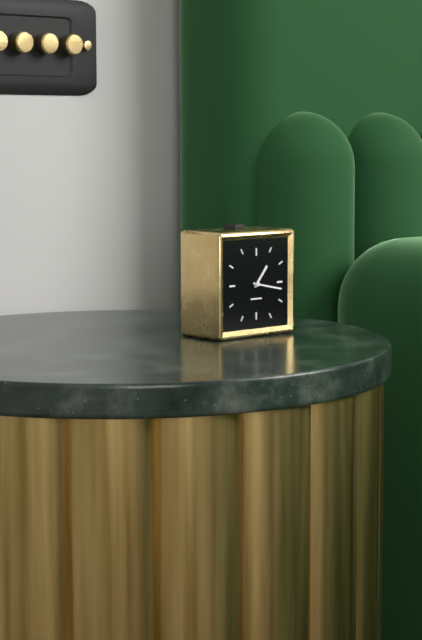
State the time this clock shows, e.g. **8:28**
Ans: **1:17**
